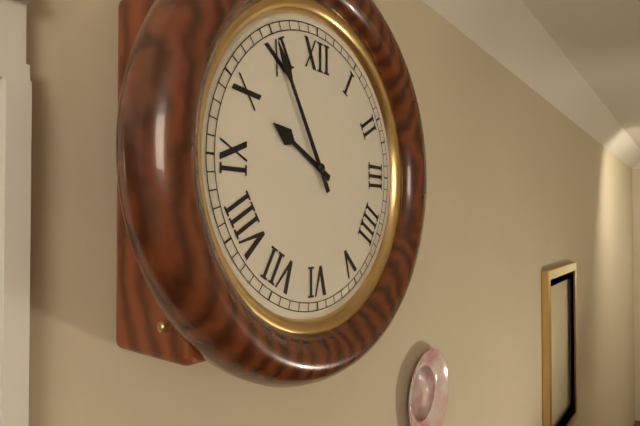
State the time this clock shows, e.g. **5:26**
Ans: **9:55**
